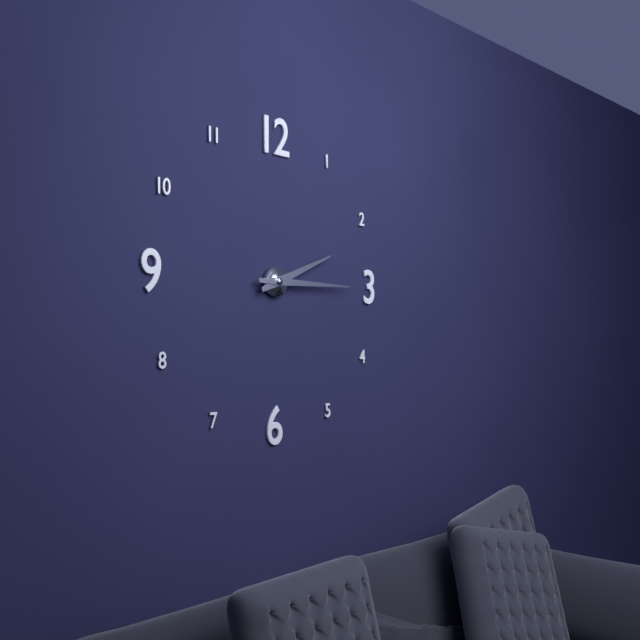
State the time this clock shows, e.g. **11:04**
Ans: **2:15**
